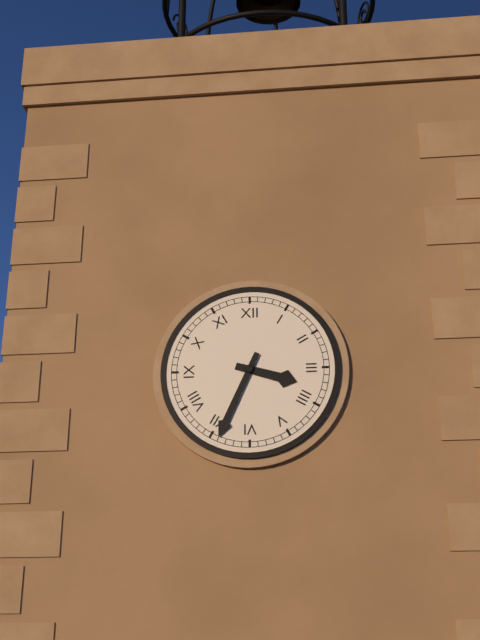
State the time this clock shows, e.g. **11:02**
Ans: **3:34**
